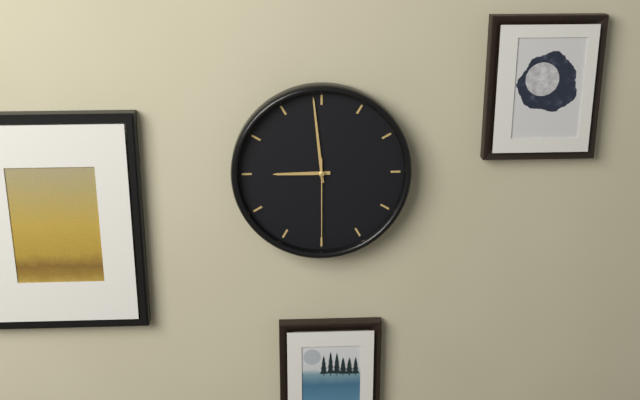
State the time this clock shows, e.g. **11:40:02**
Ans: **8:59:30**
